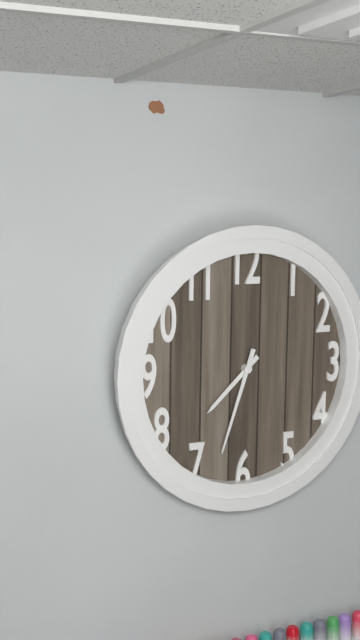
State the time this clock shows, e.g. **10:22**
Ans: **7:33**
